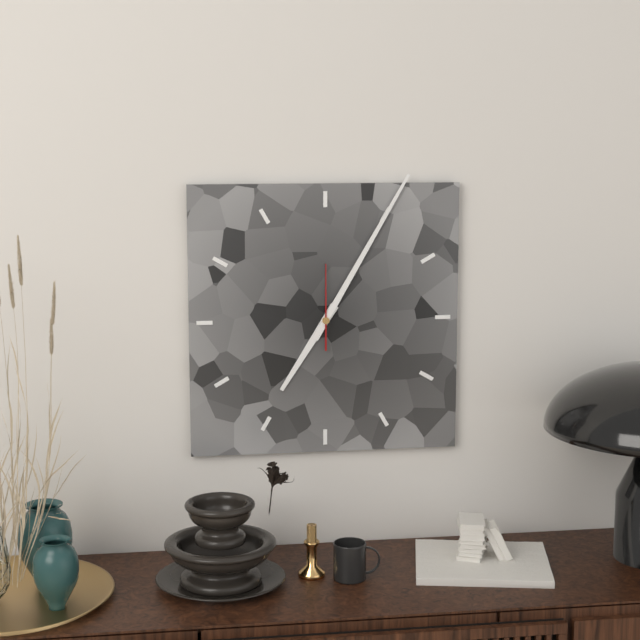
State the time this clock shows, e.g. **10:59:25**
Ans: **7:05:00**
